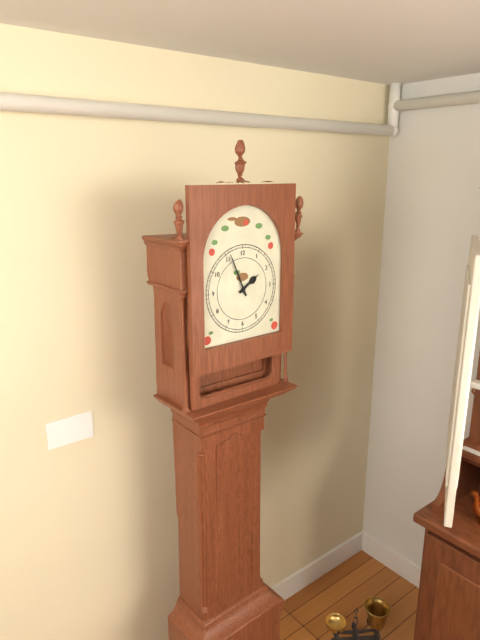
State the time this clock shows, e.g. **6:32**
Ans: **1:56**
